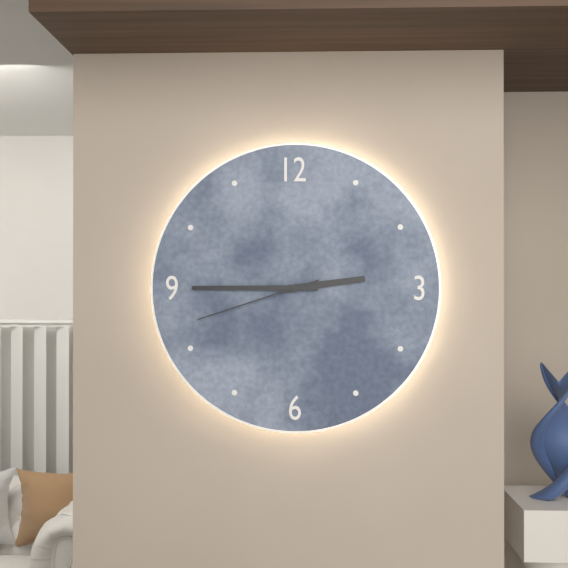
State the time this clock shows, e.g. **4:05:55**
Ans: **2:45:42**
